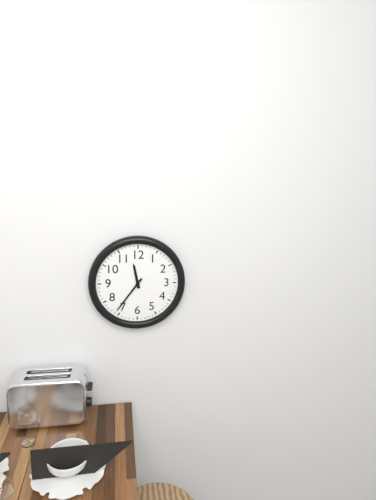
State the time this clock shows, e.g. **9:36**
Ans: **11:36**
